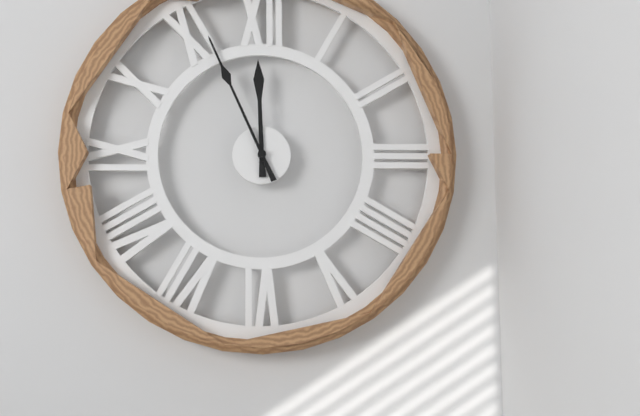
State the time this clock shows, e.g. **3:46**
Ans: **11:56**
